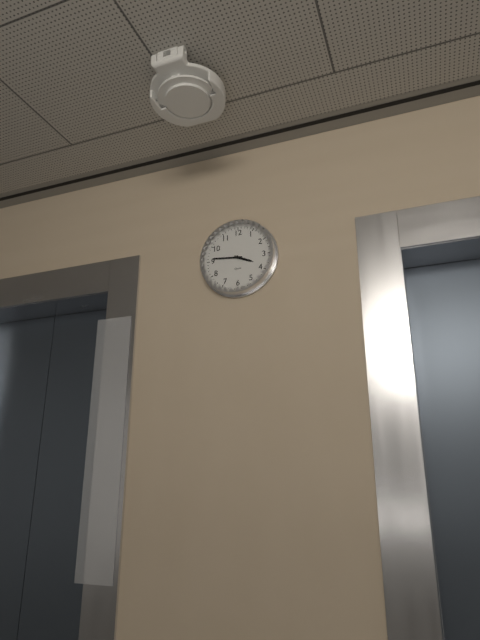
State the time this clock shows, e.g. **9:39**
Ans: **3:46**
